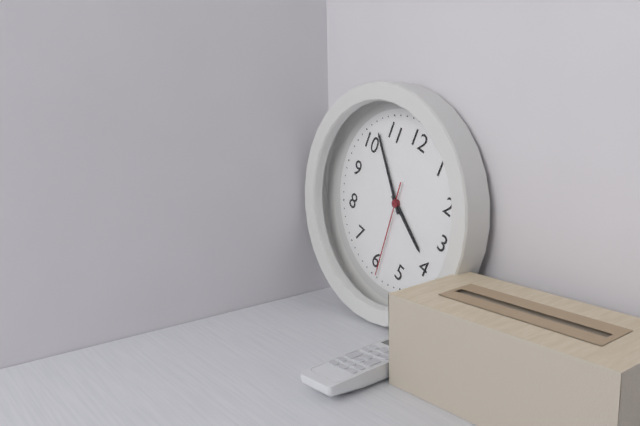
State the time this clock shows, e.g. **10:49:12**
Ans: **3:52:29**
